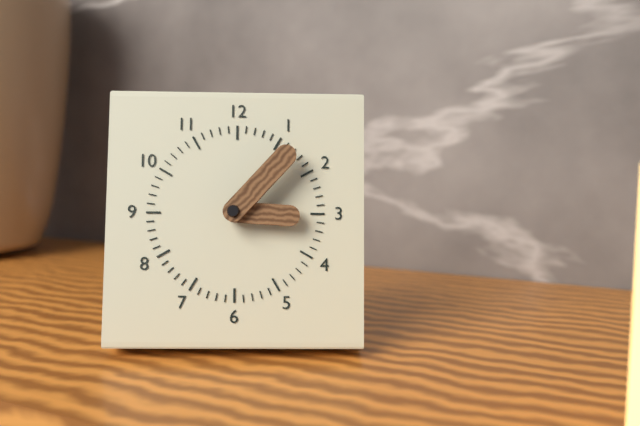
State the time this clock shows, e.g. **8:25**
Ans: **3:07**
